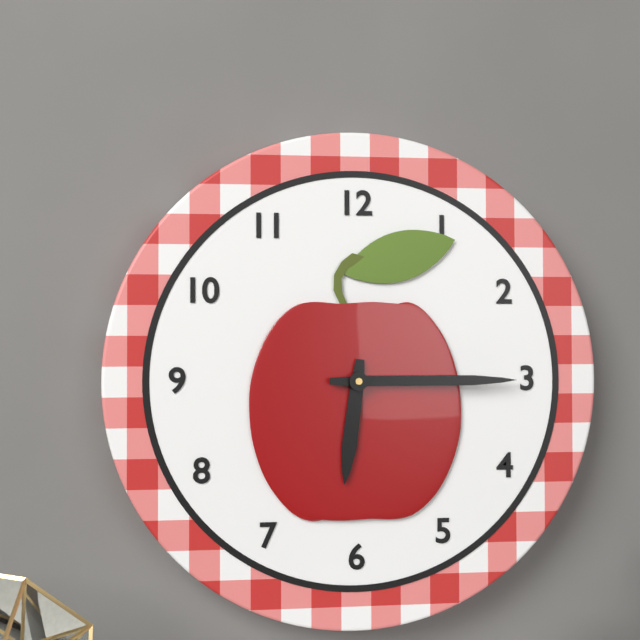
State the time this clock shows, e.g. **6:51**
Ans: **6:15**
